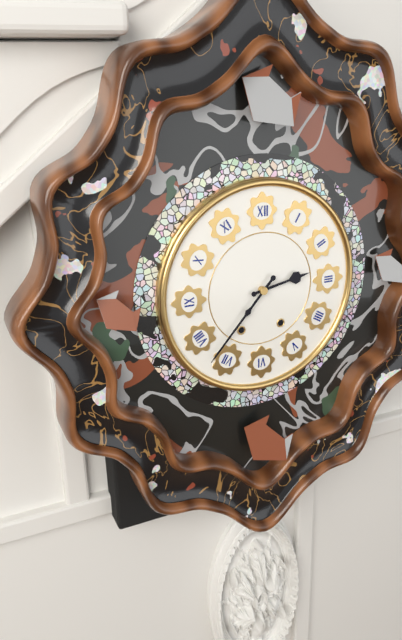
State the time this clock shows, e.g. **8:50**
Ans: **2:37**
